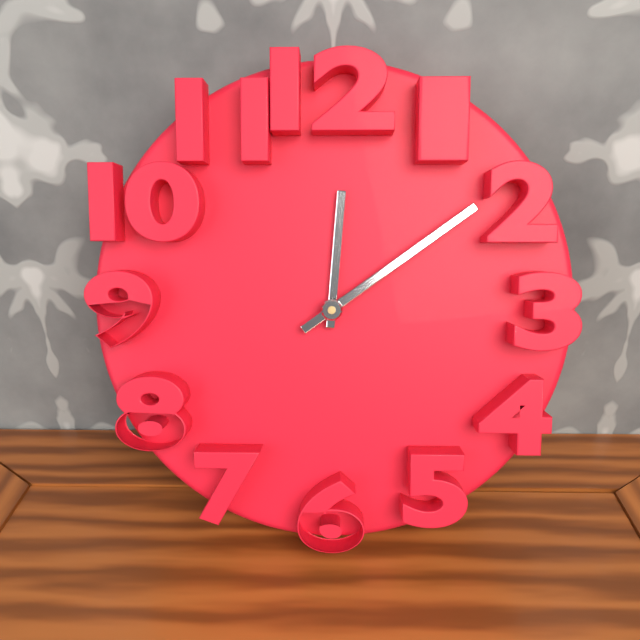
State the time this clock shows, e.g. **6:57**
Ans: **12:09**
